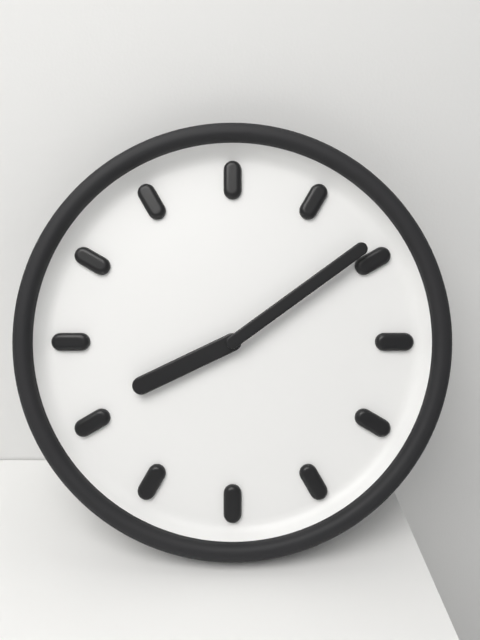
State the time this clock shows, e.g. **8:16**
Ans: **8:09**
